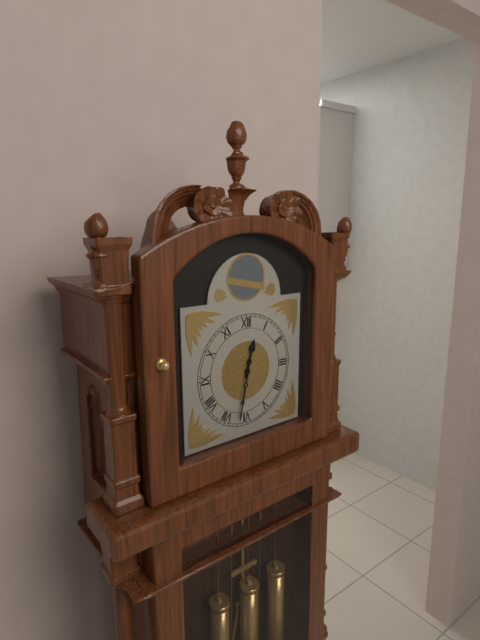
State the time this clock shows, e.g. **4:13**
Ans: **12:32**
